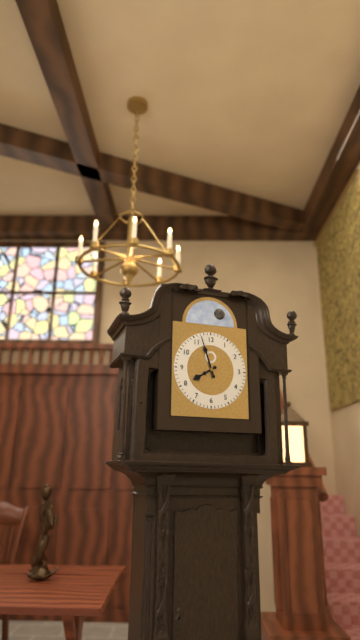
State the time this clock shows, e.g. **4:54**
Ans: **7:57**
